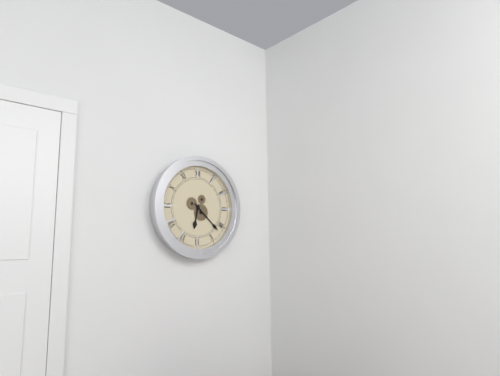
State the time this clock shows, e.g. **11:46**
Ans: **6:22**
